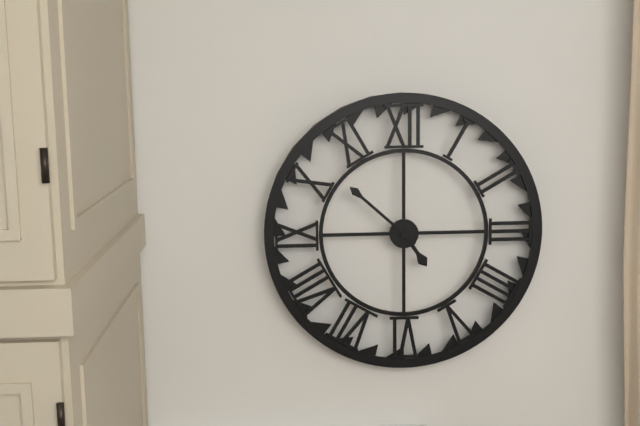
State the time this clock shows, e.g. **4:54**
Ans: **4:52**
